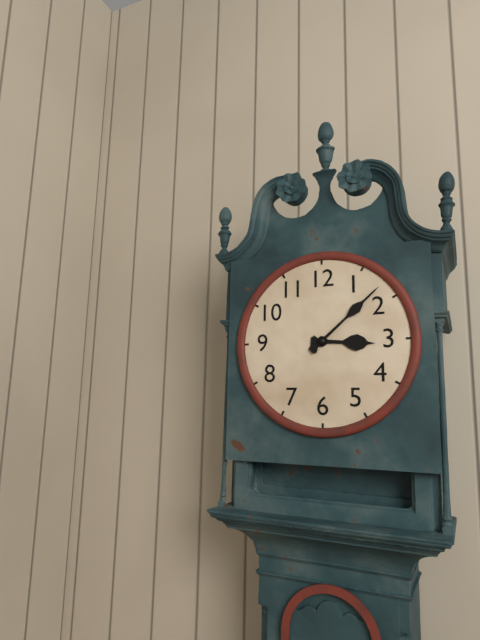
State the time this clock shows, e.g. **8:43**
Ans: **3:08**
